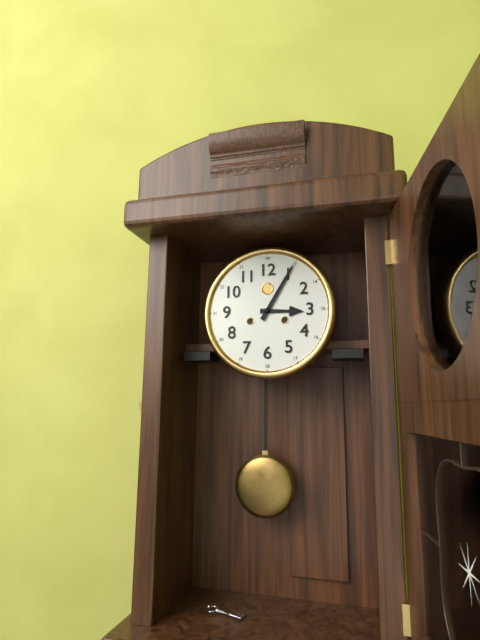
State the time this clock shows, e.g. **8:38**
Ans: **3:05**
